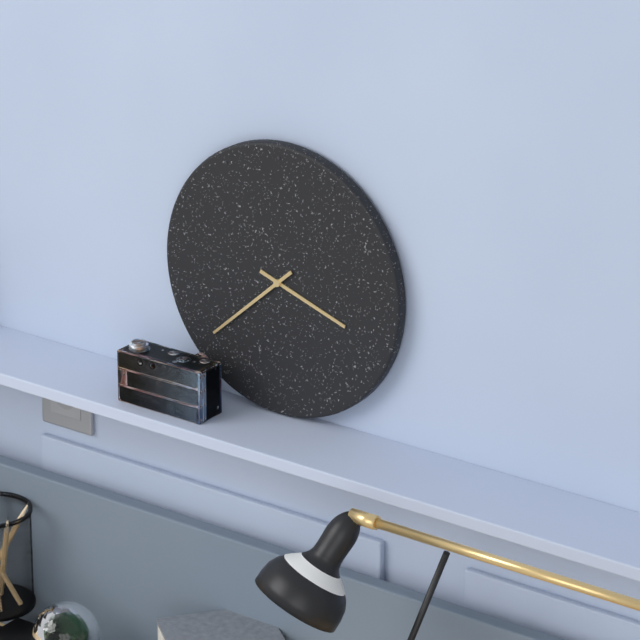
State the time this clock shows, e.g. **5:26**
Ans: **3:38**
